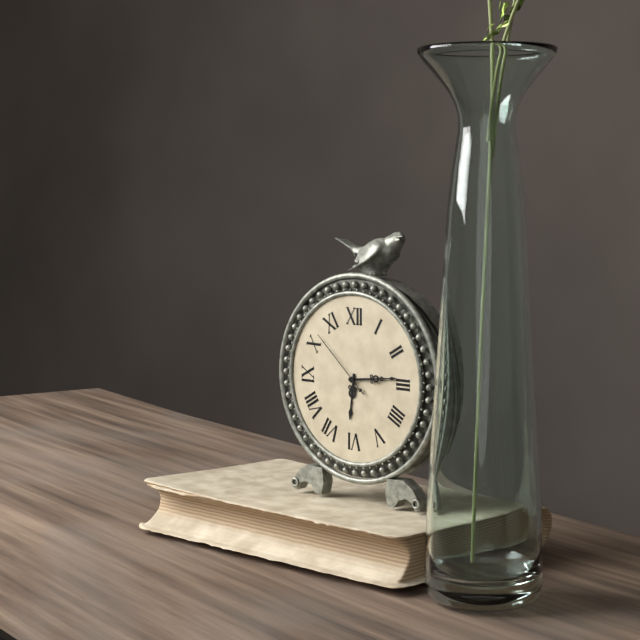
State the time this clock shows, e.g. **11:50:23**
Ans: **6:14:52**
